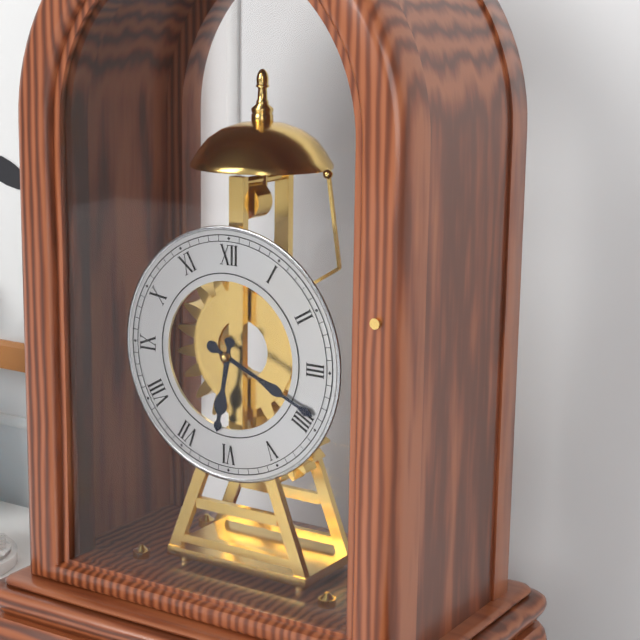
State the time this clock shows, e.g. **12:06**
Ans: **6:19**
